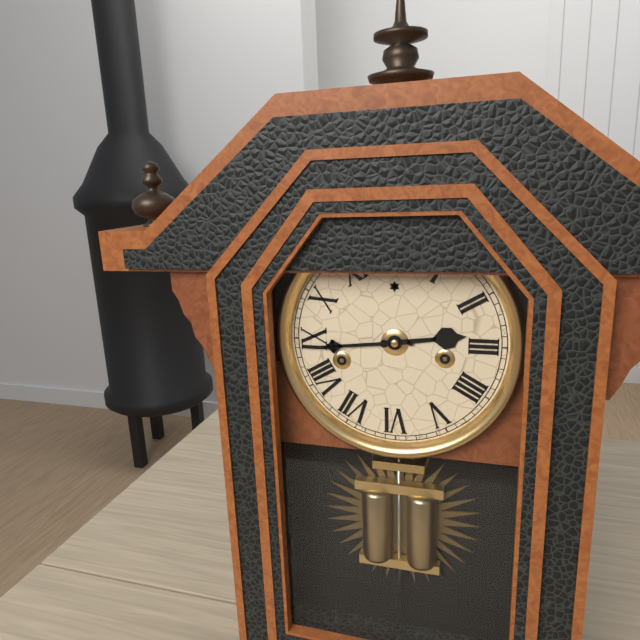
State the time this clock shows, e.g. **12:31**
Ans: **2:44**
